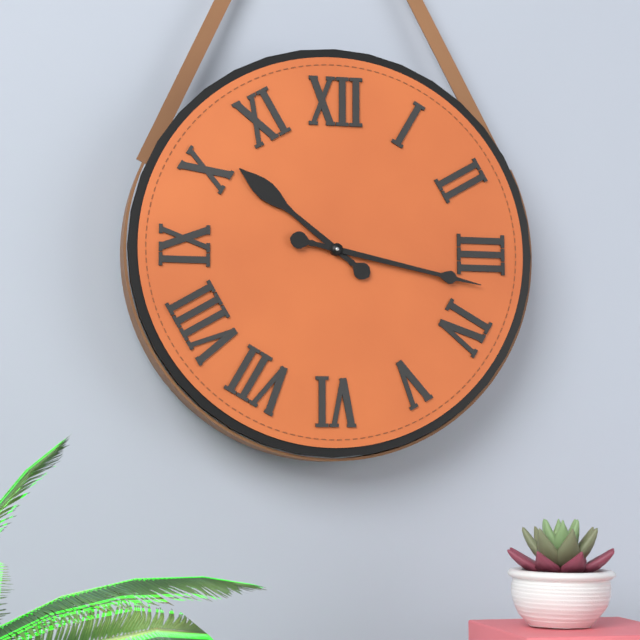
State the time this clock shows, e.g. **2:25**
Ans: **10:17**
